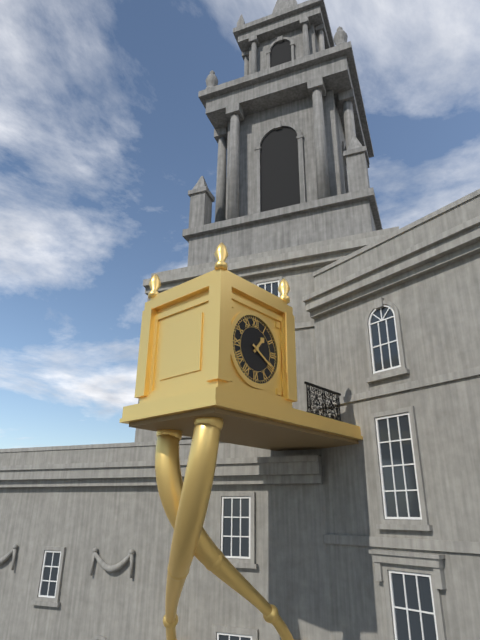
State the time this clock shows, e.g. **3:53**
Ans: **1:20**
